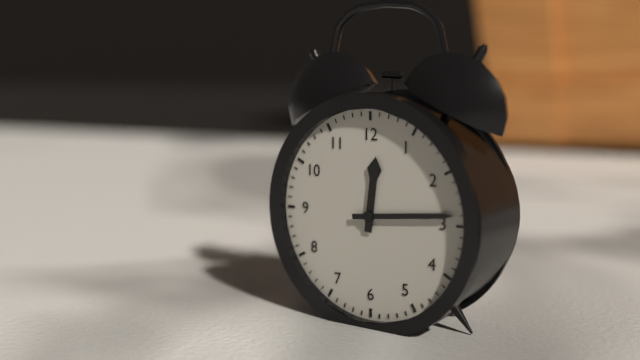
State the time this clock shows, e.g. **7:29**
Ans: **12:14**
